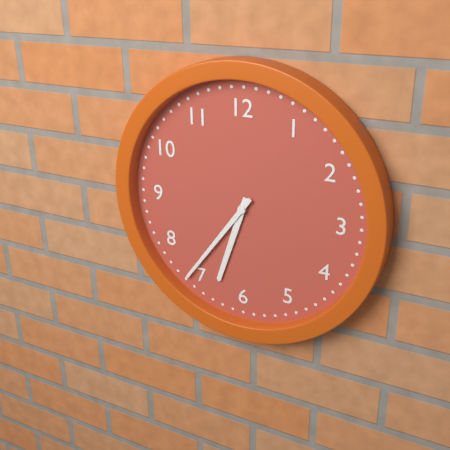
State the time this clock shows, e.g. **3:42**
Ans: **6:36**
